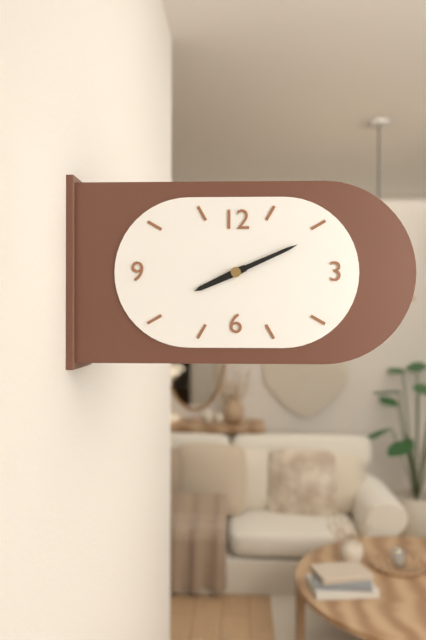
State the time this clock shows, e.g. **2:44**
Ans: **8:11**
